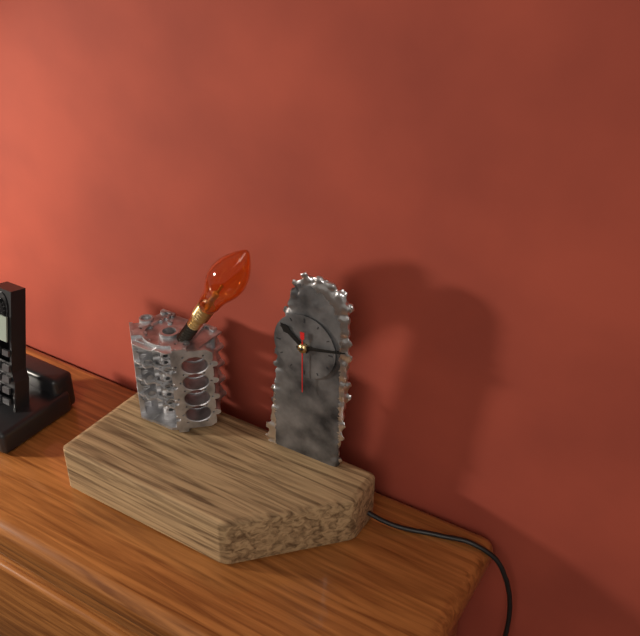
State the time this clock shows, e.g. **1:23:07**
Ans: **10:13:30**
